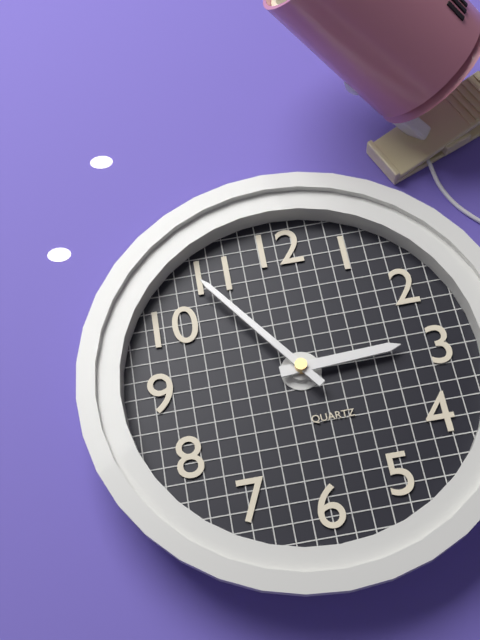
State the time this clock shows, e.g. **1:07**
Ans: **2:54**
